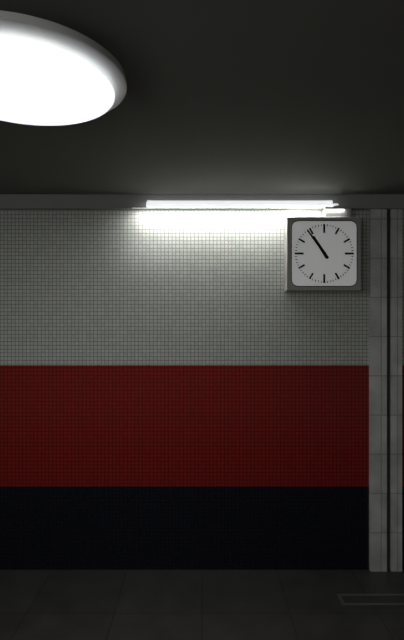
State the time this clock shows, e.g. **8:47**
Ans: **10:54**
